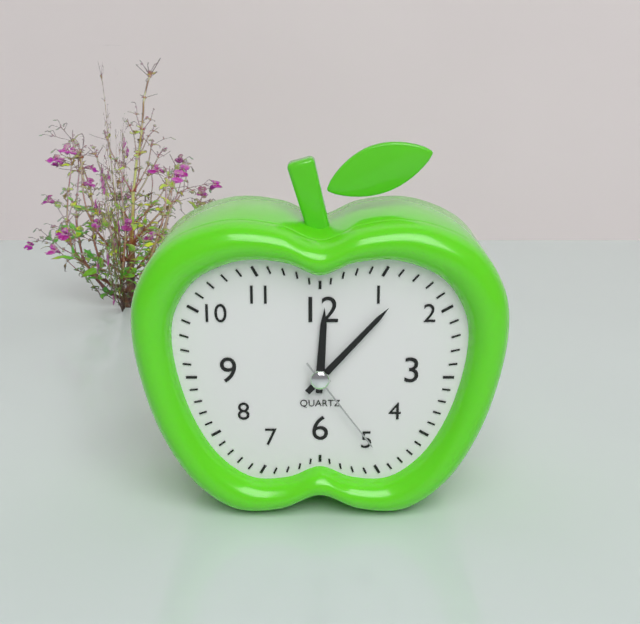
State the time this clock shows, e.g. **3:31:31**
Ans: **12:07:24**
